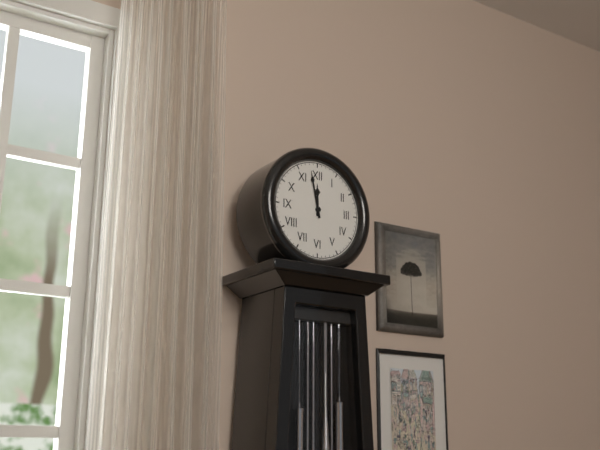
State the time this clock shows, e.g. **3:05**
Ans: **11:58**
